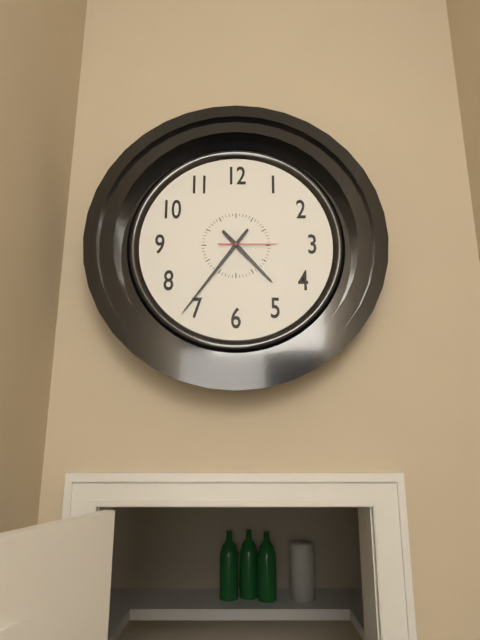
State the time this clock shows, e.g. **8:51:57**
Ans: **4:36:15**
